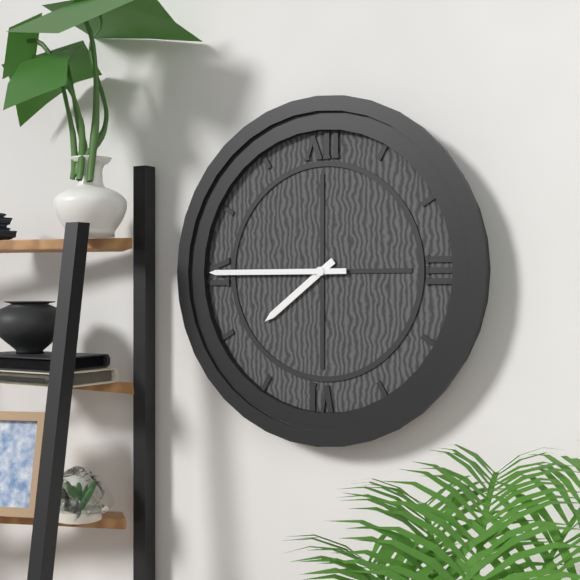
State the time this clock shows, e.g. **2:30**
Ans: **7:45**
